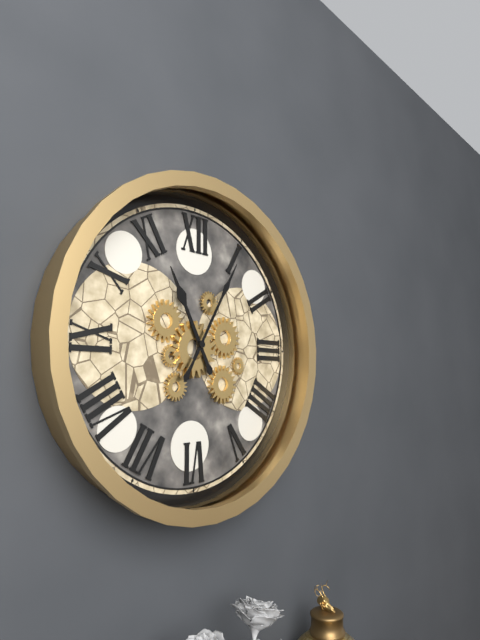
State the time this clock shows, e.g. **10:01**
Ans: **11:05**
